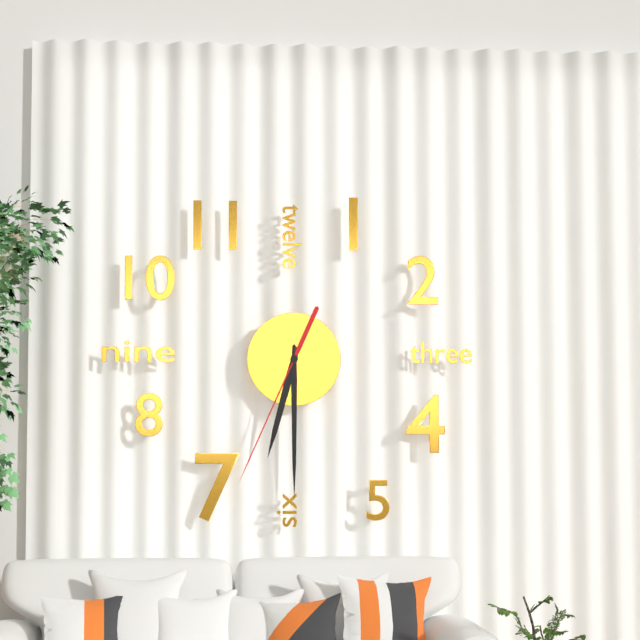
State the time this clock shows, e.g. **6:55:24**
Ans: **6:30:34**
